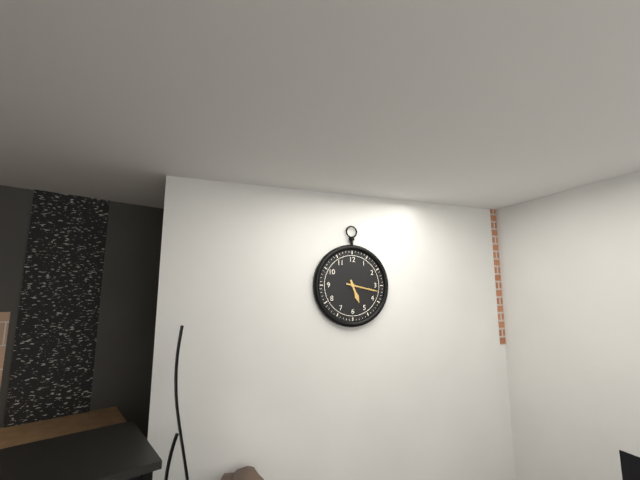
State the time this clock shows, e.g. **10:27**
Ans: **5:17**
